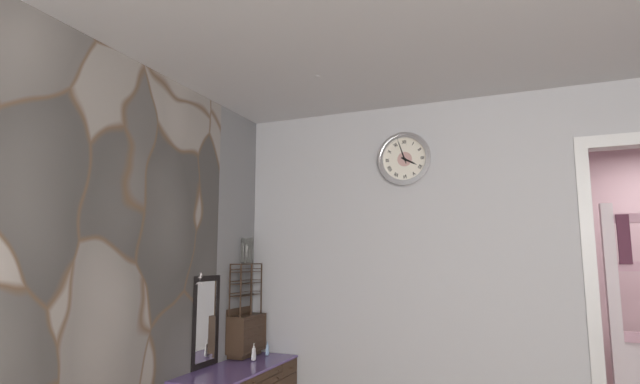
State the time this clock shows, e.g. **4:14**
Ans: **3:57**
